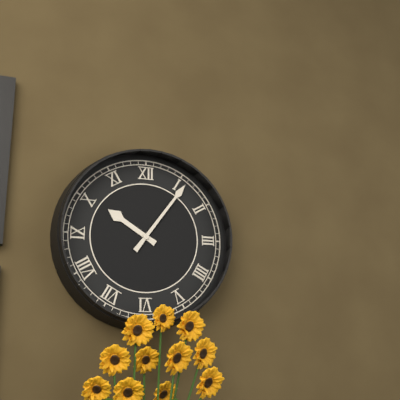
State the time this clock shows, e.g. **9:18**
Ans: **10:06**
